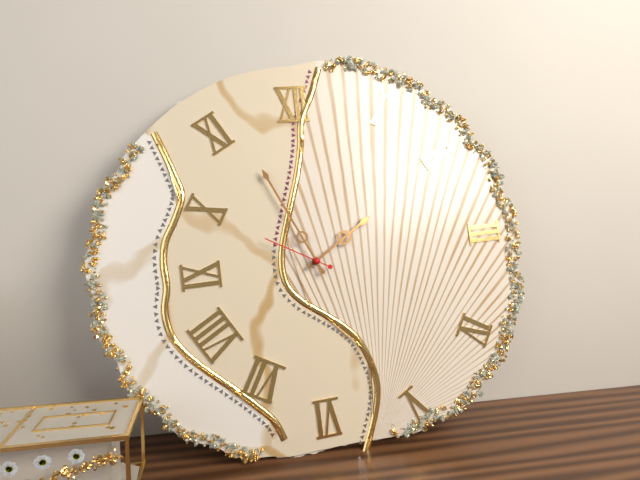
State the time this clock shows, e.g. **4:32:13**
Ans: **1:56:50**
